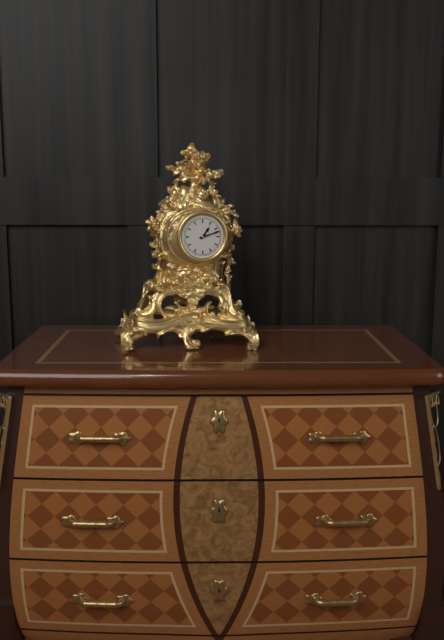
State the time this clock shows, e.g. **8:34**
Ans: **1:12**
